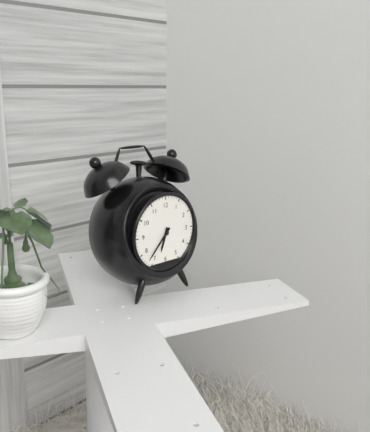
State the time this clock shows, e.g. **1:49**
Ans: **6:37**
